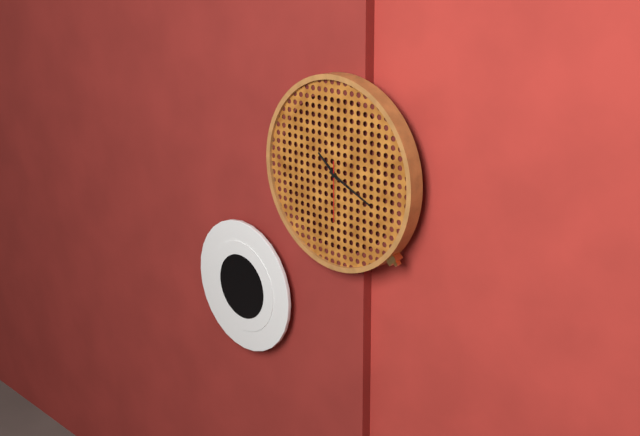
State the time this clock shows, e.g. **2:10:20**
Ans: **10:19:30**
